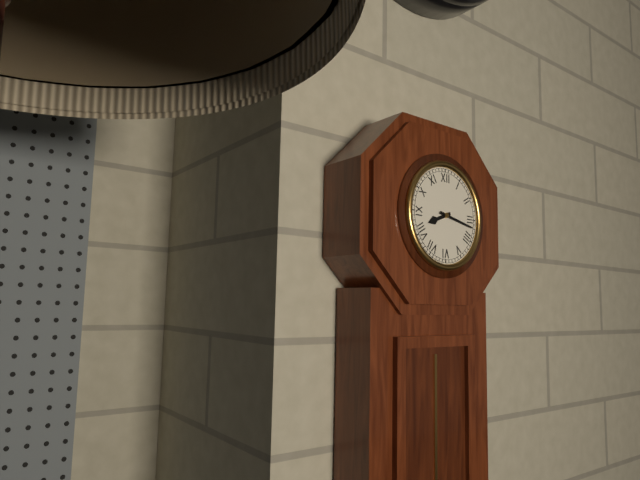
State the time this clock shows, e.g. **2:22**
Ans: **8:17**
